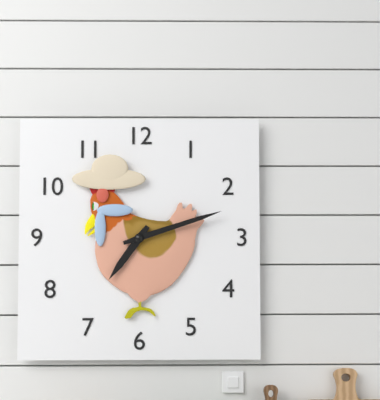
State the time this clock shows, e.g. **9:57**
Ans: **7:12**
